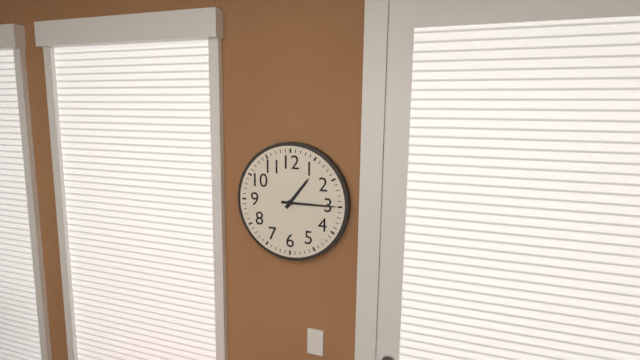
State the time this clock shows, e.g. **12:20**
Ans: **1:15**
